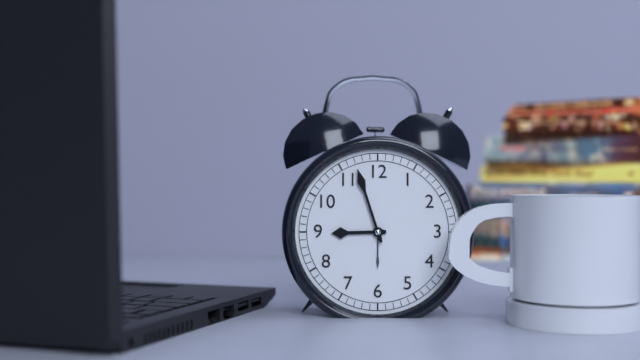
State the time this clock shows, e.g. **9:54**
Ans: **8:57**
